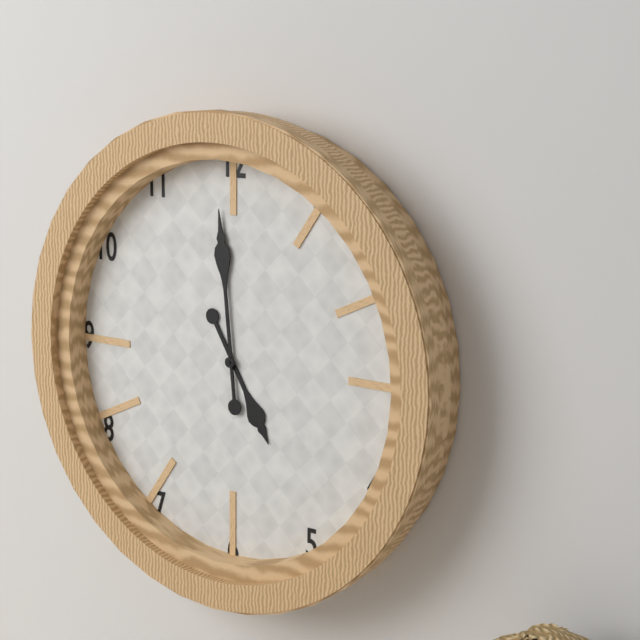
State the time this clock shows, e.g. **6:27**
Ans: **4:59**
